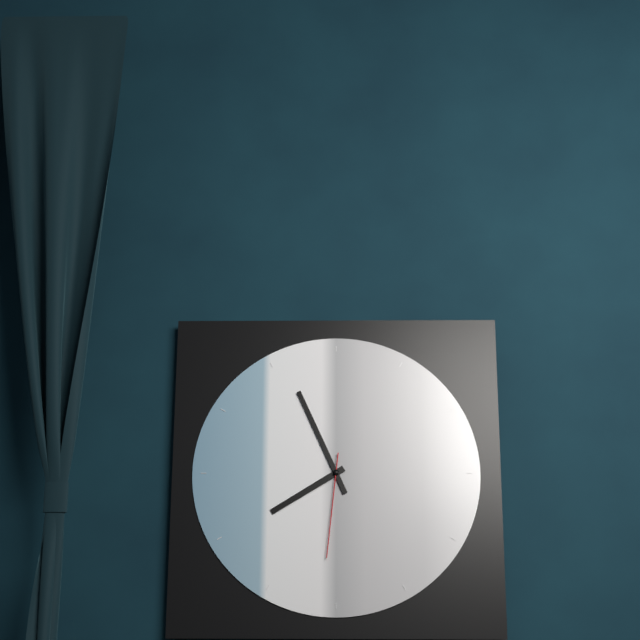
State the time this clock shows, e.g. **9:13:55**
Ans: **7:56:31**
